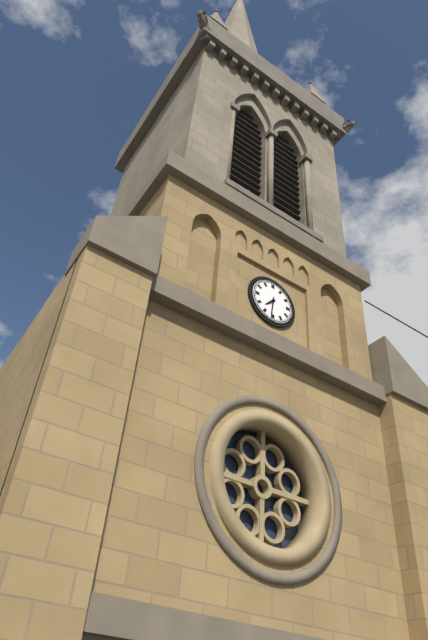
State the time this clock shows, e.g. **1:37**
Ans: **7:31**
